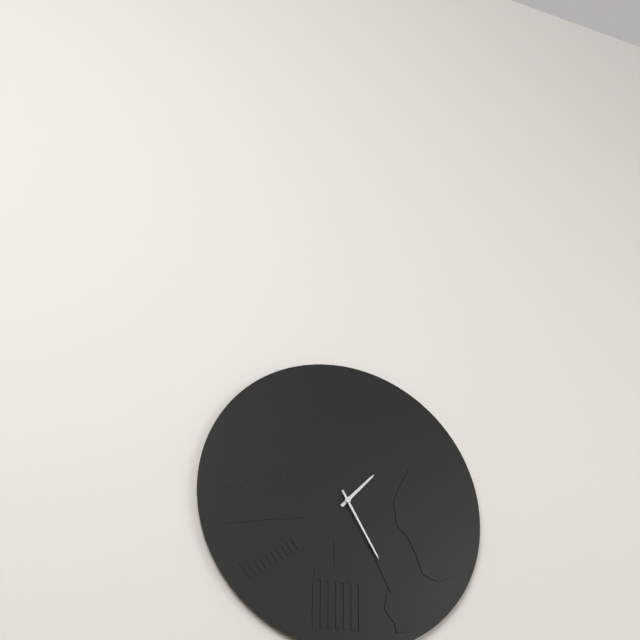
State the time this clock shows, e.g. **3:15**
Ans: **1:25**
